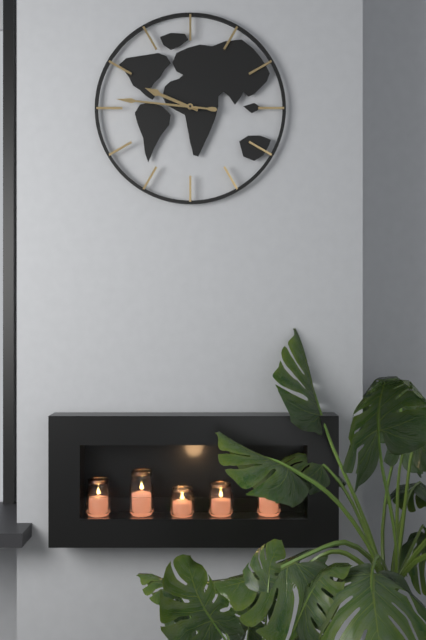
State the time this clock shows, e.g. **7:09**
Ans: **9:46**
